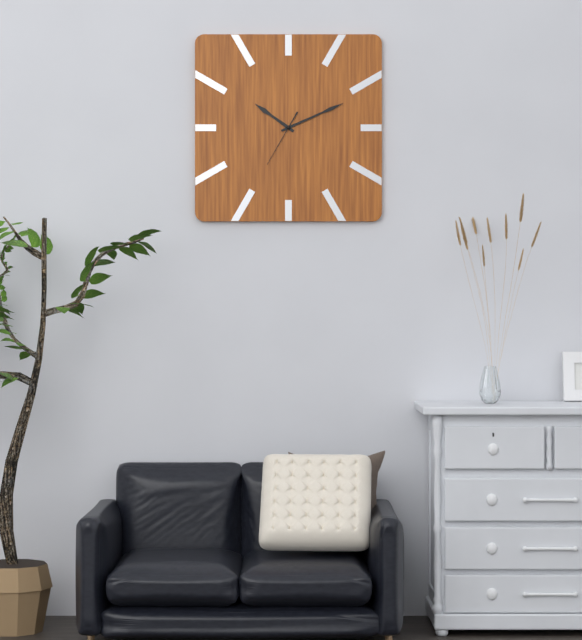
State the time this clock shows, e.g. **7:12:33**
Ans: **10:11:35**
